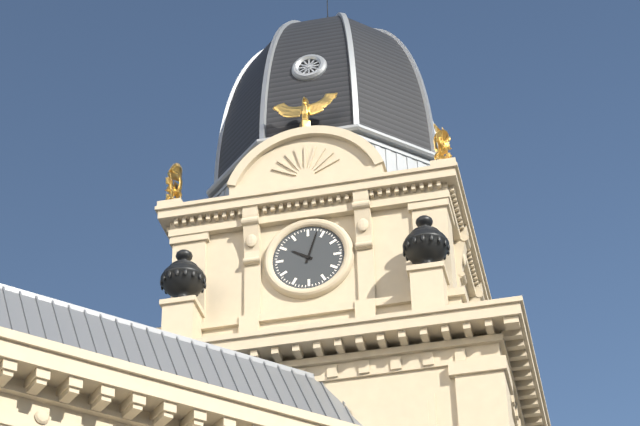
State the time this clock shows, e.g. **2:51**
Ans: **10:03**
